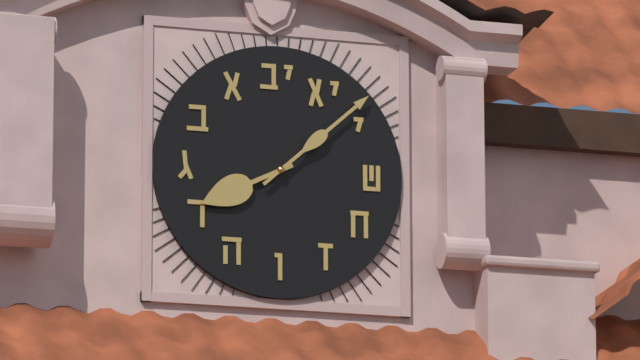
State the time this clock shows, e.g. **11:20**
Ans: **8:08**
